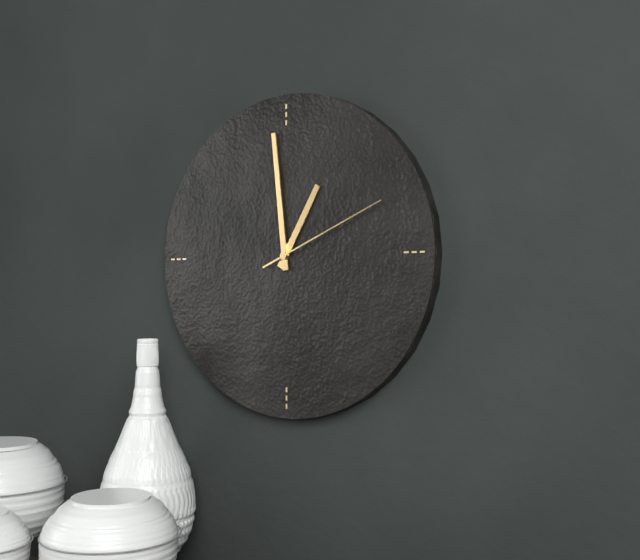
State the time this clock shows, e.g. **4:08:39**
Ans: **12:59:11**
